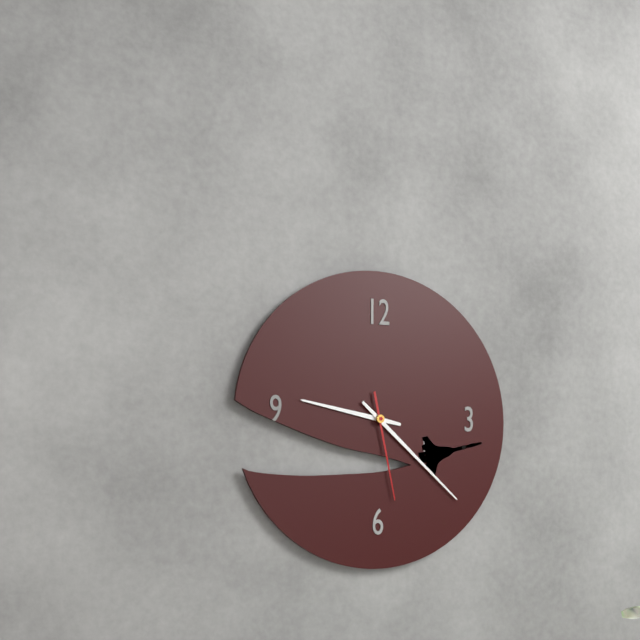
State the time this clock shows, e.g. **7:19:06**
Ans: **9:22:28**
